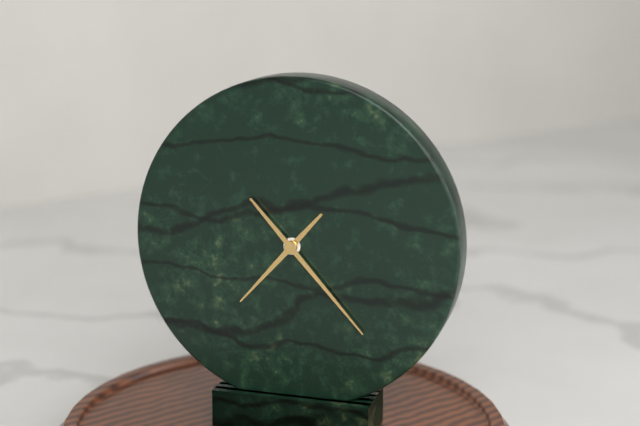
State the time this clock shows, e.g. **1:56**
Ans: **7:23**
